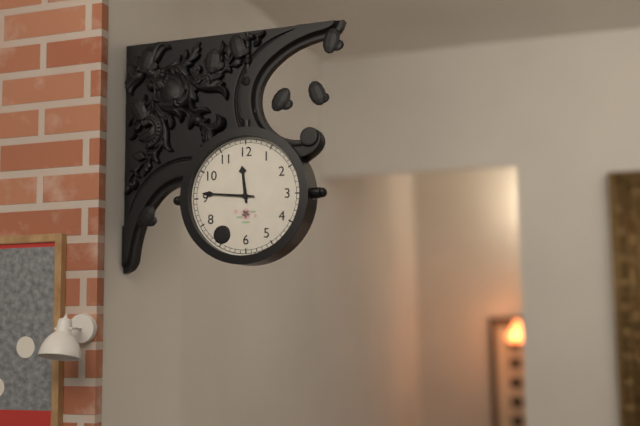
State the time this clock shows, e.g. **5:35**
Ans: **11:46**
